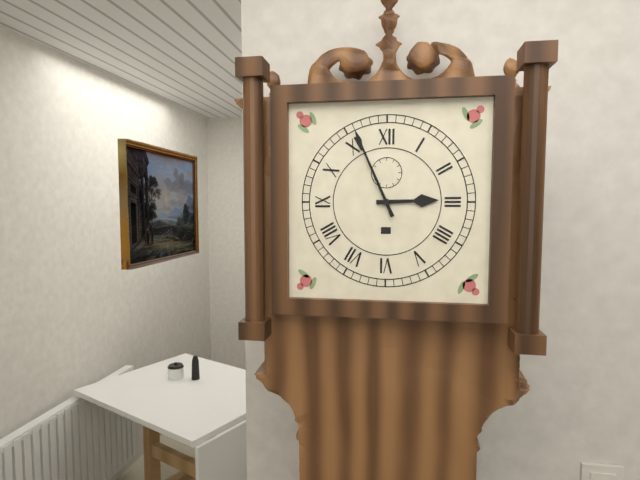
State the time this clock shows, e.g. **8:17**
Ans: **2:56**
